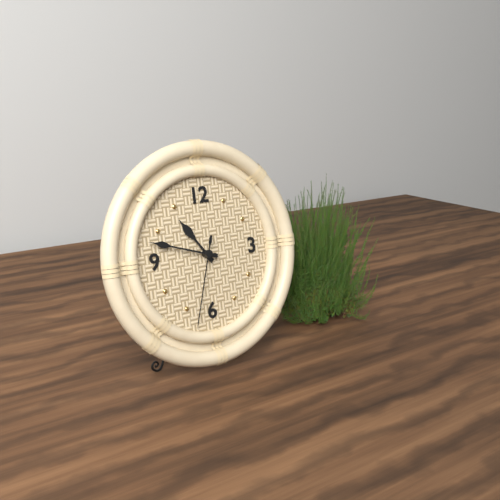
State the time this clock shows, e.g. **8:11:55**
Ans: **10:48:33**
